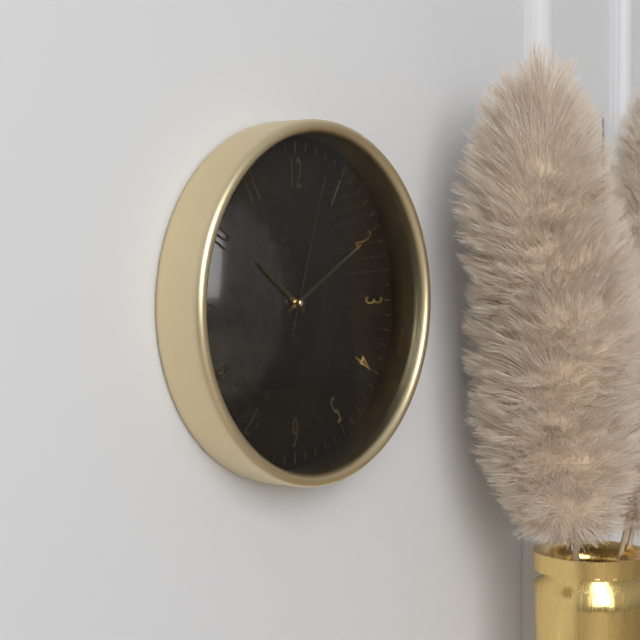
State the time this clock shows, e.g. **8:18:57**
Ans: **10:10:03**
